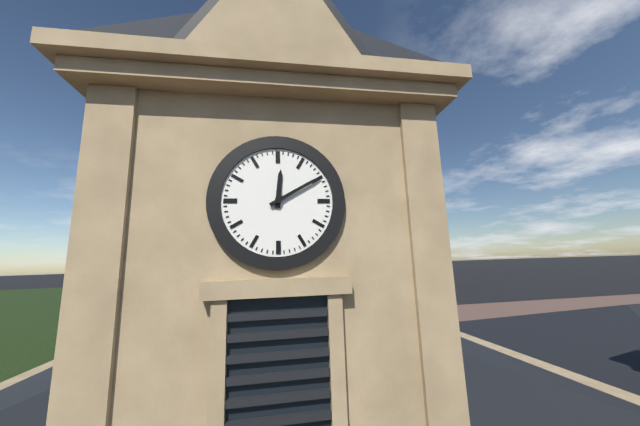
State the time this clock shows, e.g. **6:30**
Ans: **12:10**
